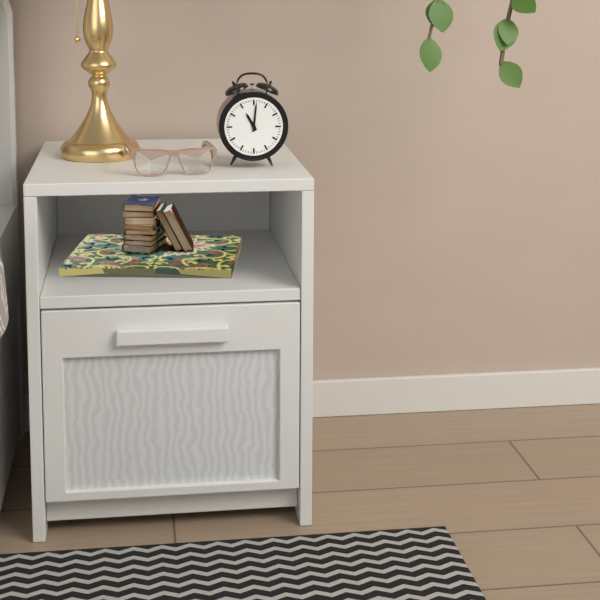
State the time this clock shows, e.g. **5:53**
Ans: **11:01**
